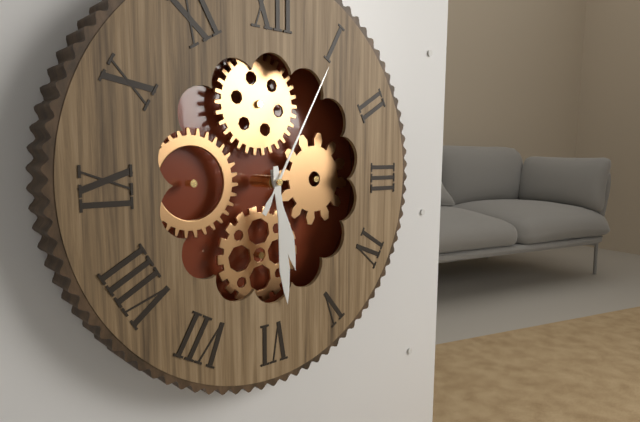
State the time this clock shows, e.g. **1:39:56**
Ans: **5:29:05**
